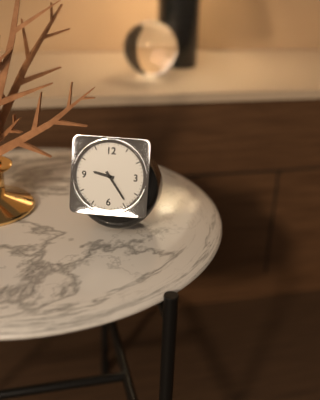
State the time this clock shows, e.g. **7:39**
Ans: **9:24**
